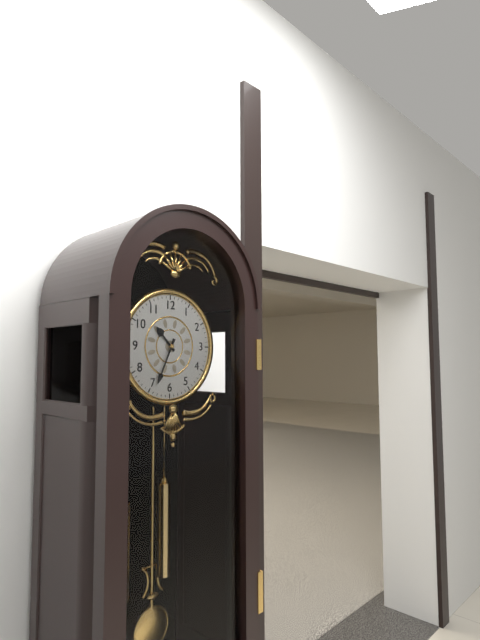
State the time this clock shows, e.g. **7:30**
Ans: **10:34**
